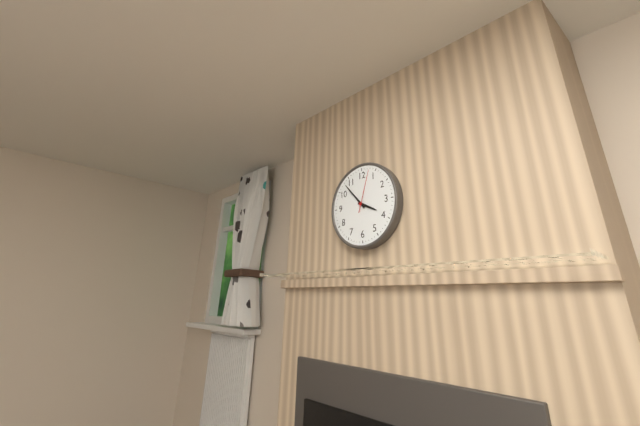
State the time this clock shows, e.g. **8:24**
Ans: **3:53**
